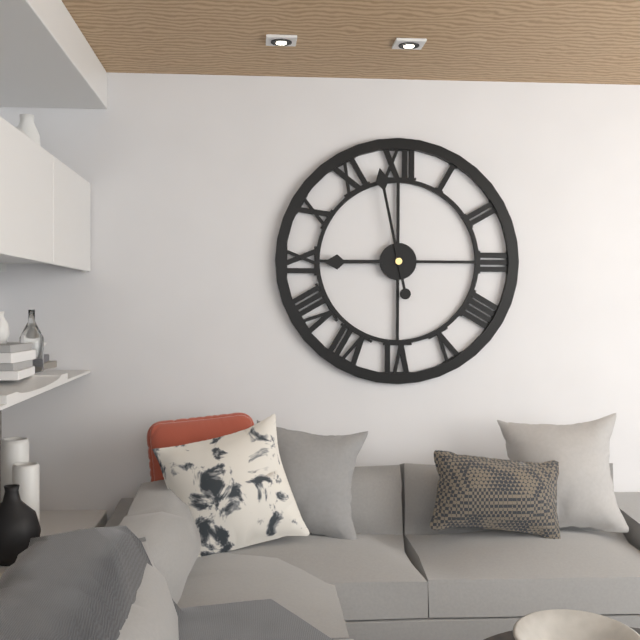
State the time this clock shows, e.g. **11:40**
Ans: **8:58**
